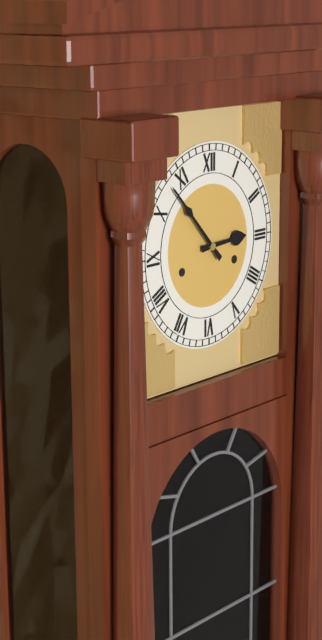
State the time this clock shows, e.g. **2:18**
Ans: **2:53**
